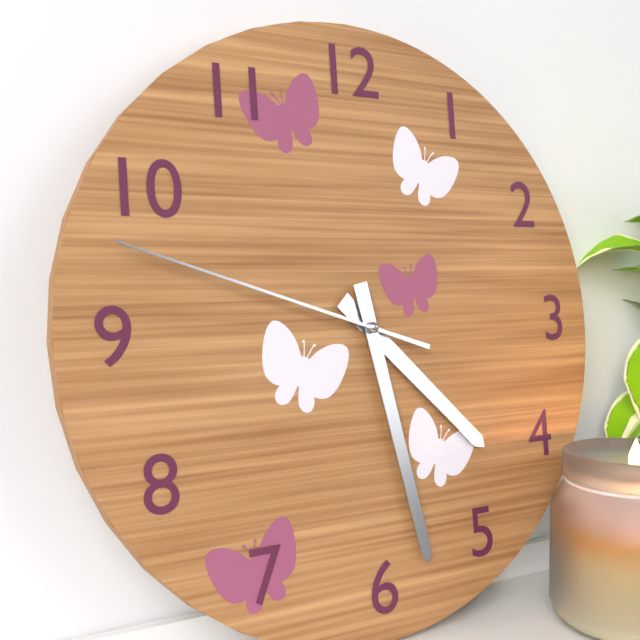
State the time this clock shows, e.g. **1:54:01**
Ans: **4:28:48**
